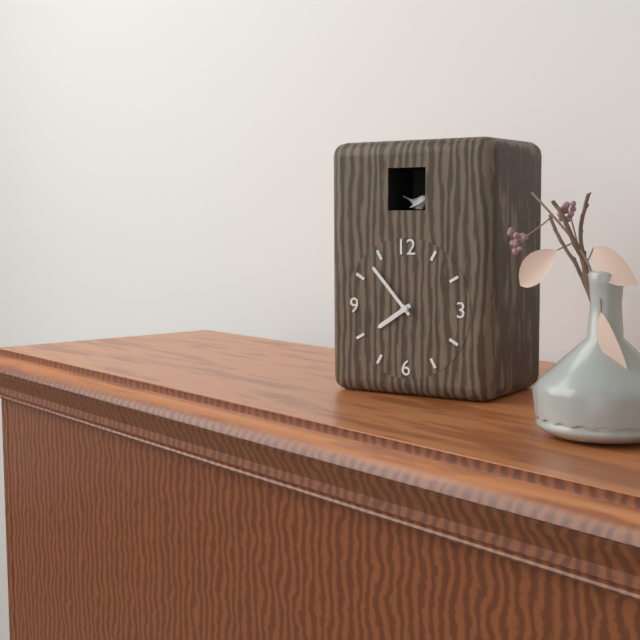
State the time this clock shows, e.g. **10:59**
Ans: **7:53**
